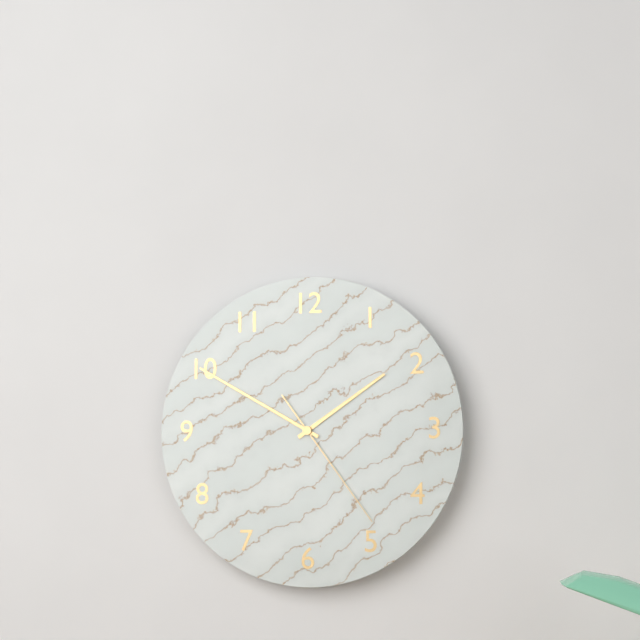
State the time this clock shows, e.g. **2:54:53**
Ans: **1:50:24**
